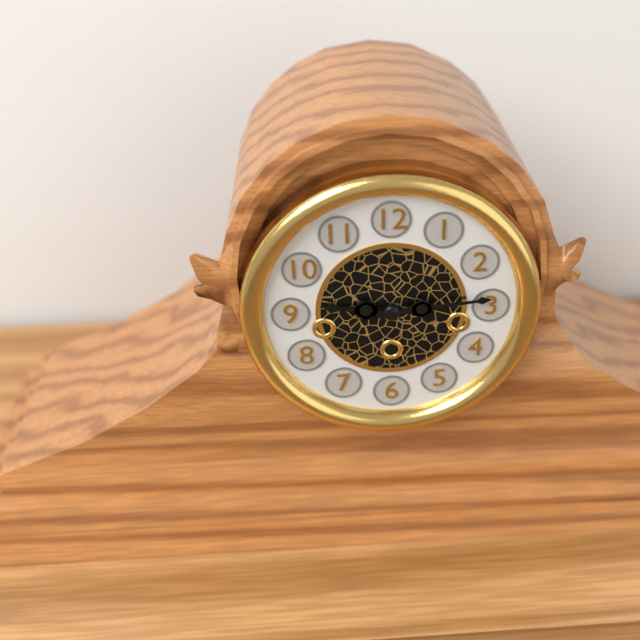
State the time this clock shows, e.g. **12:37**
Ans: **9:14**
